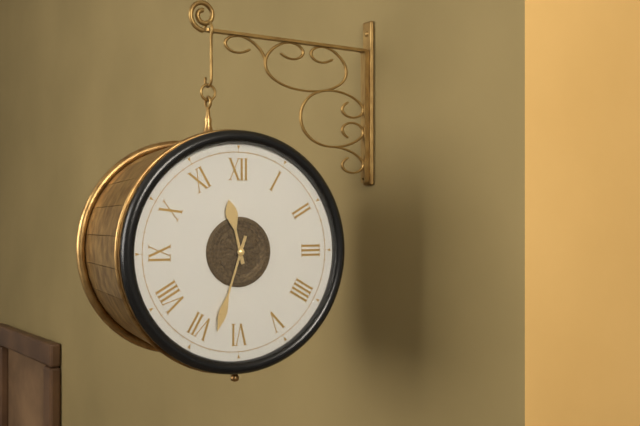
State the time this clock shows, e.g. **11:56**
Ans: **11:33**
